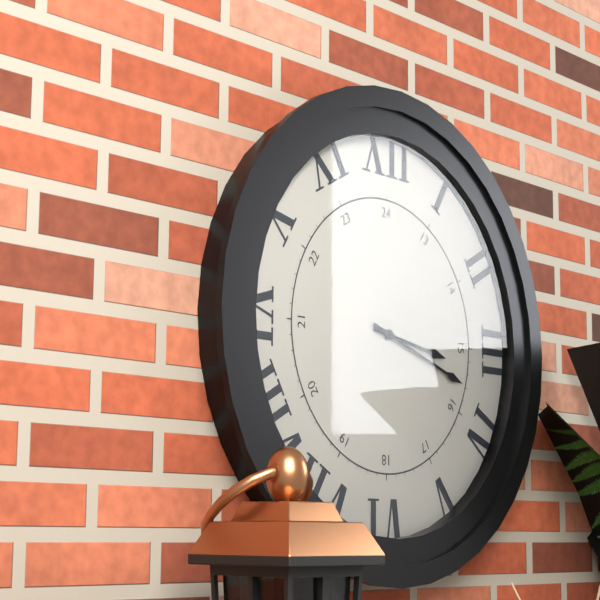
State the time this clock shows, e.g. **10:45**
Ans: **3:18**
